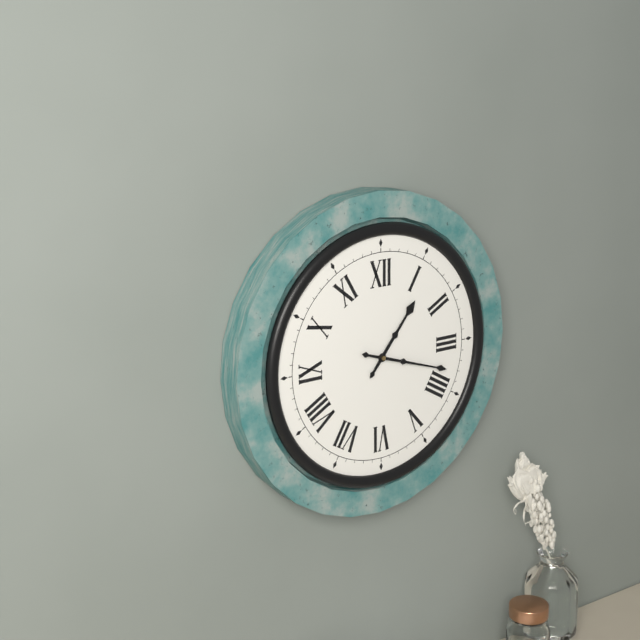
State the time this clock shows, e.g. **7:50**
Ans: **1:18**
